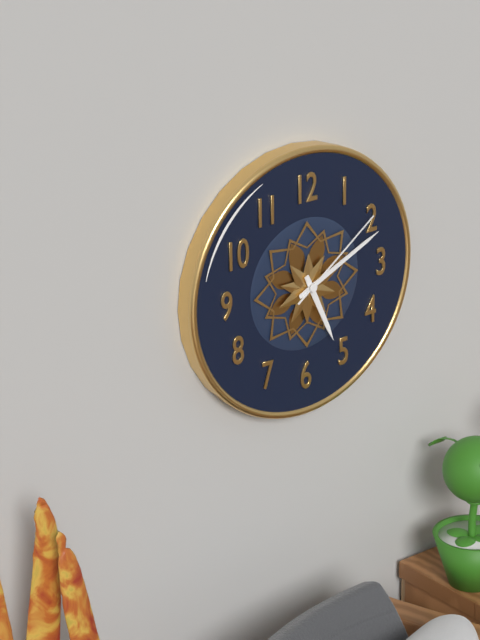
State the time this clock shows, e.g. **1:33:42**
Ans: **5:11:09**
